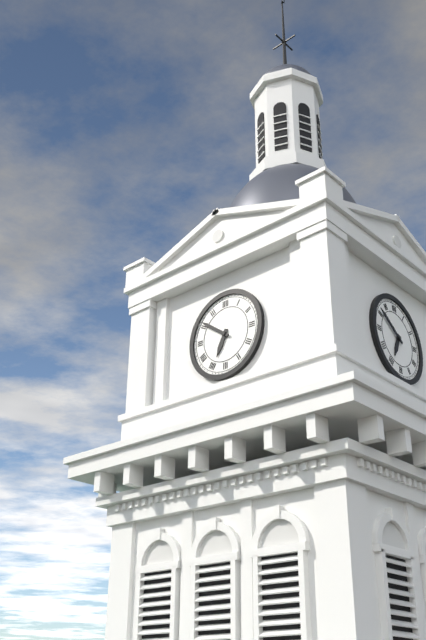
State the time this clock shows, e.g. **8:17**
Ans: **6:51**
